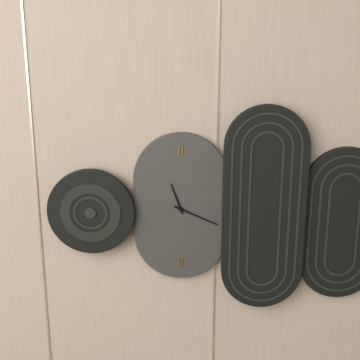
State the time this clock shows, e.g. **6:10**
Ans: **11:19**
